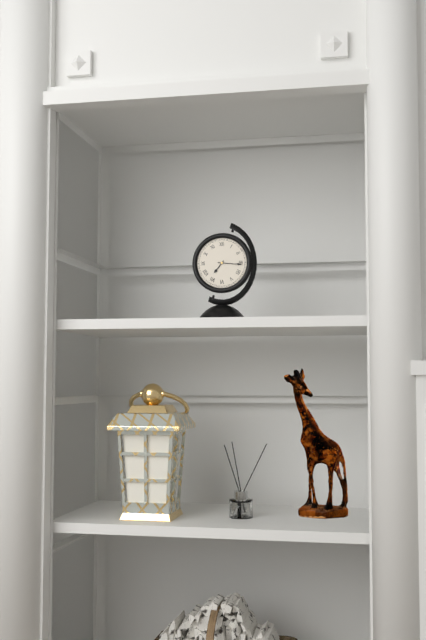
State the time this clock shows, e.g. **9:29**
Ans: **7:16**
